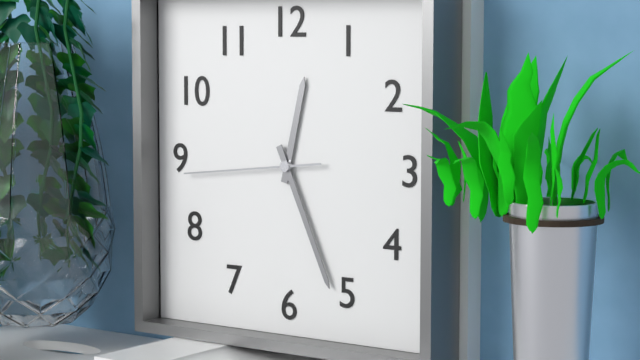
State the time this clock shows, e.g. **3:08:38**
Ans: **12:26:44**
